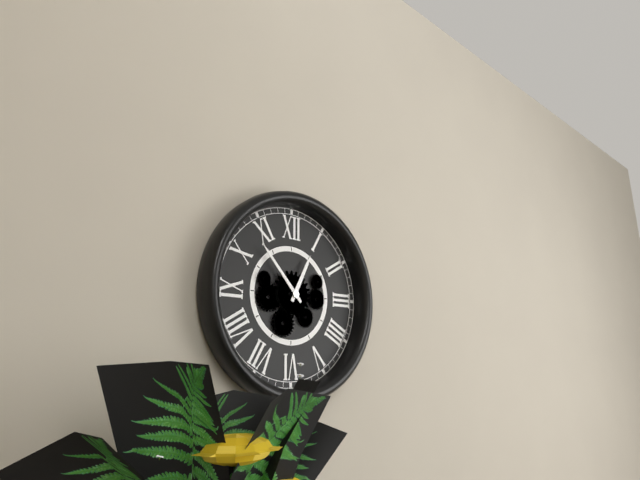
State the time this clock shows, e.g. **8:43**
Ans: **12:53**
